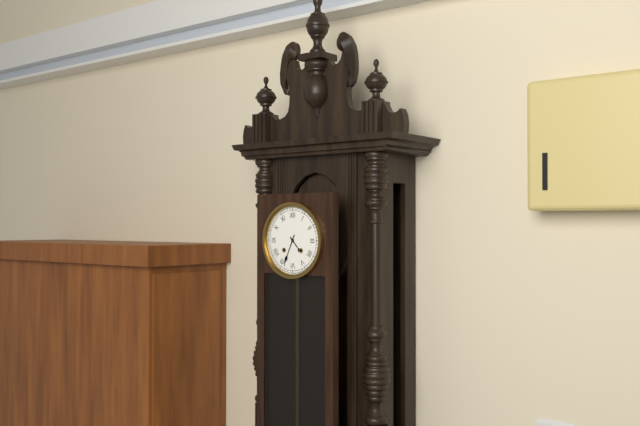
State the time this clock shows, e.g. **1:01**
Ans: **4:34**
